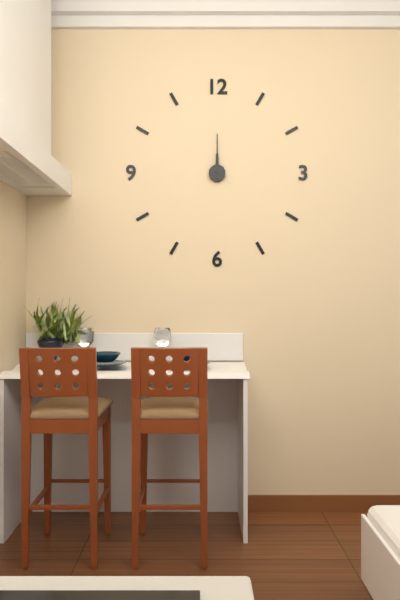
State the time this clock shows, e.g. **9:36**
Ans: **12:00**
